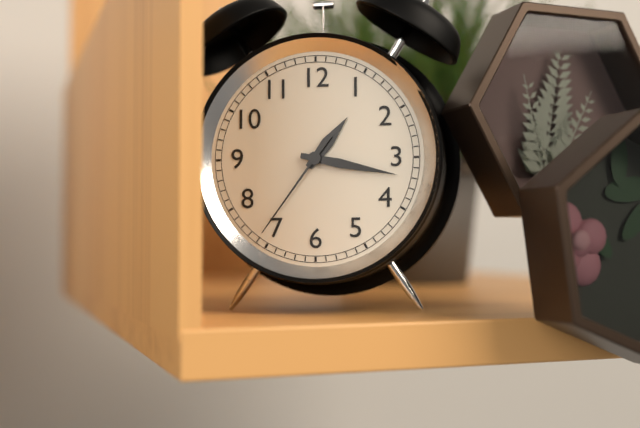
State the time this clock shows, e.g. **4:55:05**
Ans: **1:17:36**
